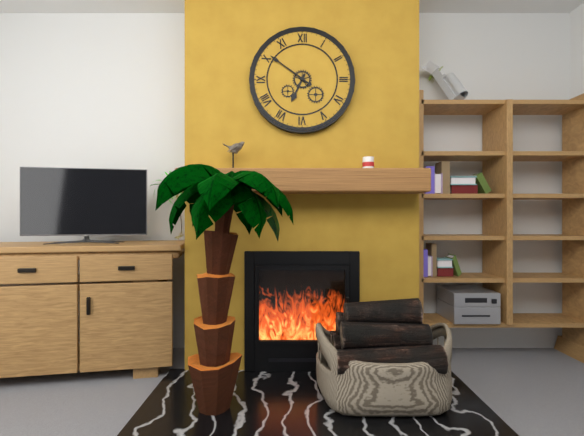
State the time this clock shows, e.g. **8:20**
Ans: **6:51**
